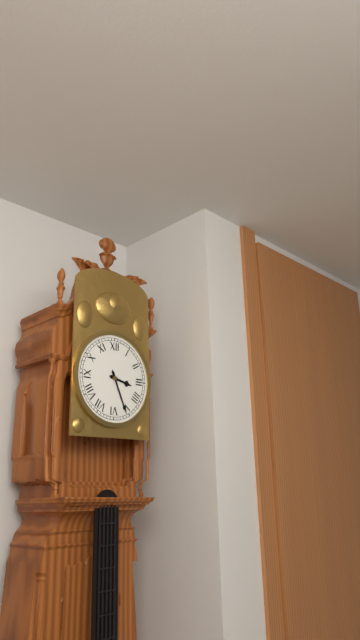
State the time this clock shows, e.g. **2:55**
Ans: **3:26**
